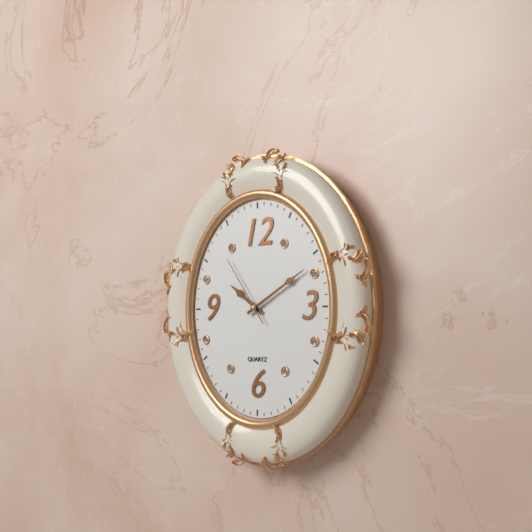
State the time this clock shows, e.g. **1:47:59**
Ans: **10:10:54**
